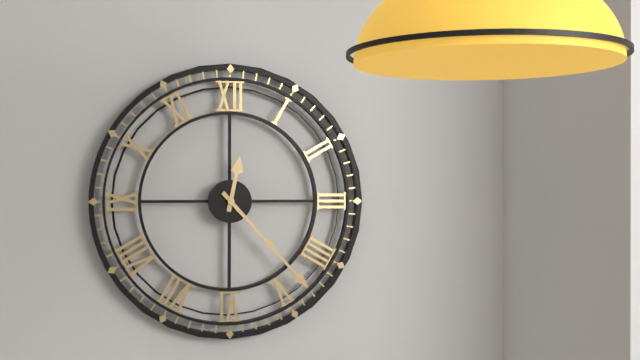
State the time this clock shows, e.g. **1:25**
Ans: **12:23**
